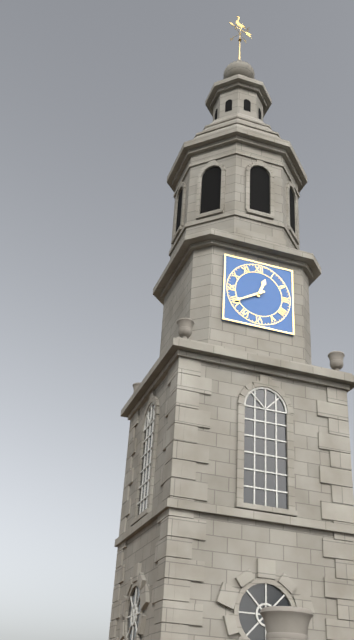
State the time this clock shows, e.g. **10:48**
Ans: **12:40**
